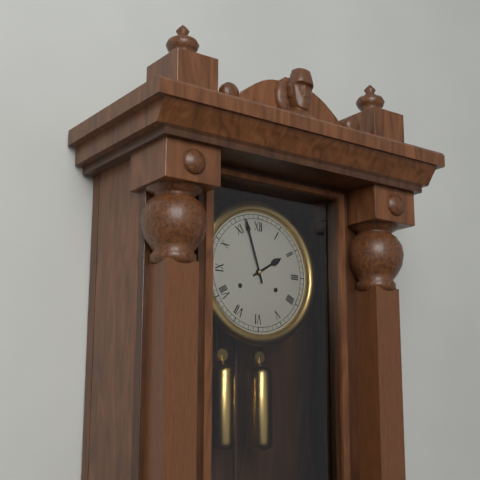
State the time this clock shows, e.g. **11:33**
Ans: **1:57**
